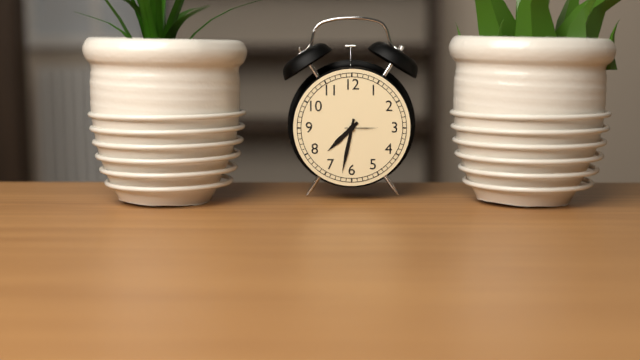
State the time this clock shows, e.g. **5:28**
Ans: **7:32**
